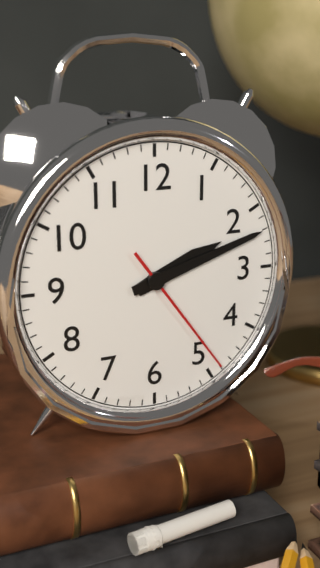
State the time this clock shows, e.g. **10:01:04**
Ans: **2:12:24**
